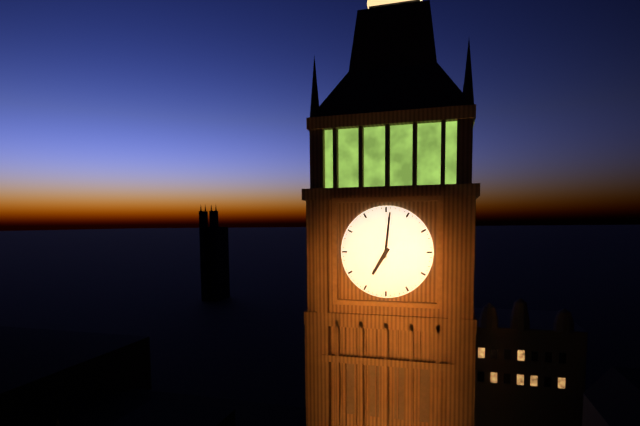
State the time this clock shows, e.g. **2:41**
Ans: **7:01**
